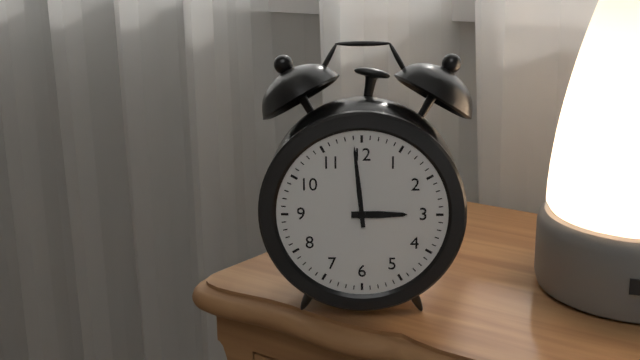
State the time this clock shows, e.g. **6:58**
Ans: **2:59**
